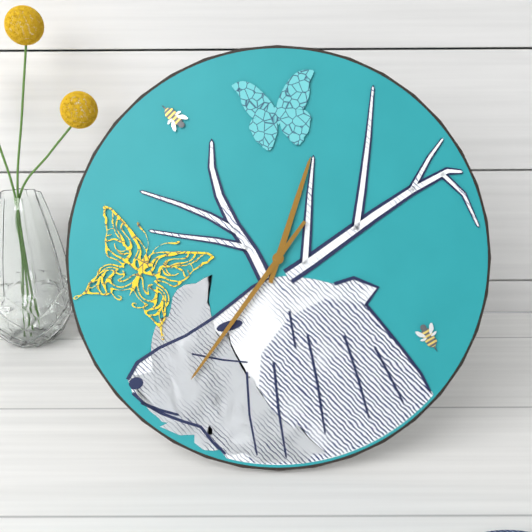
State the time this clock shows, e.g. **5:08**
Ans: **12:36**
